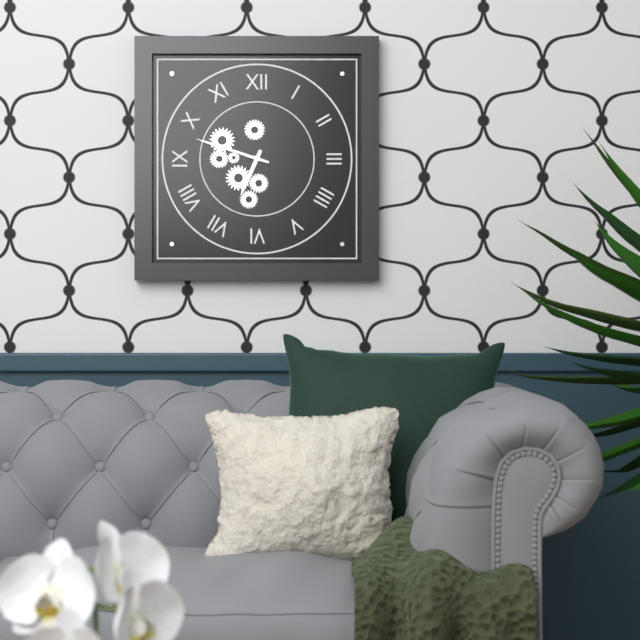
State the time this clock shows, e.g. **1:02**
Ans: **6:48**
